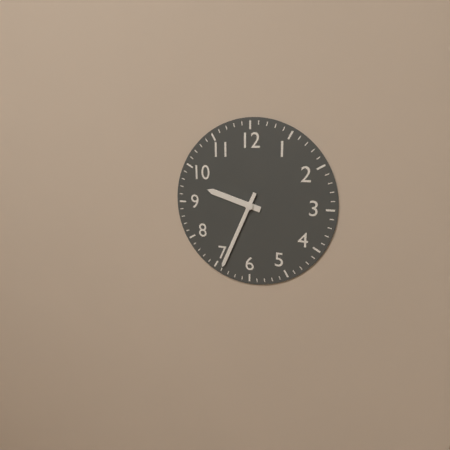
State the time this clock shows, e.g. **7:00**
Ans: **9:34**
